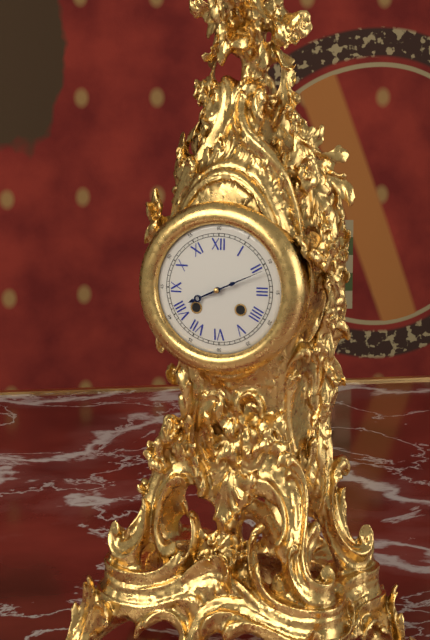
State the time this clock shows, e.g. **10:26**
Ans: **8:11**
